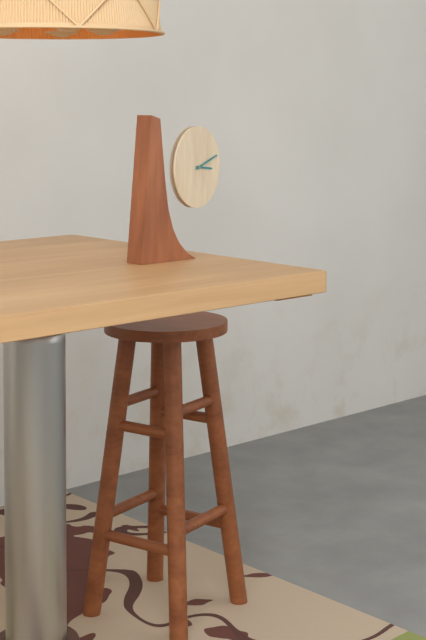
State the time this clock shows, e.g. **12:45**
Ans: **3:12**
